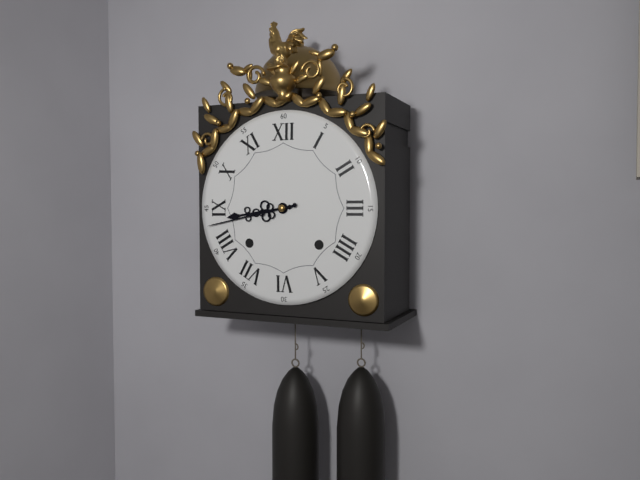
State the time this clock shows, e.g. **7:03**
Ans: **8:43**
